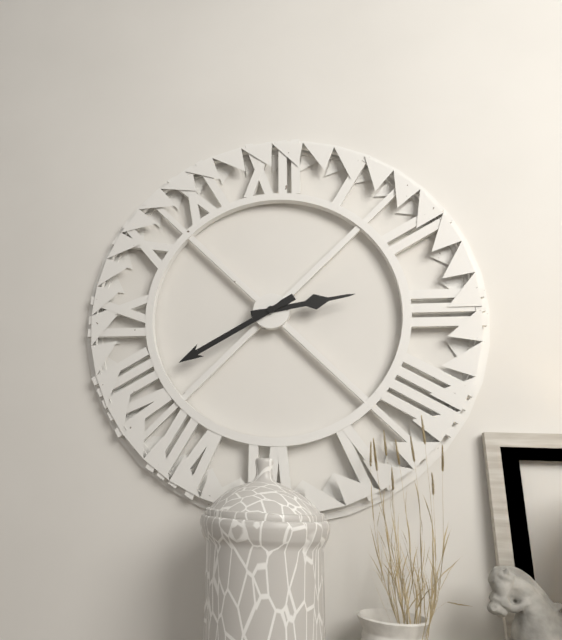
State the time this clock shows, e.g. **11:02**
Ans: **2:40**
